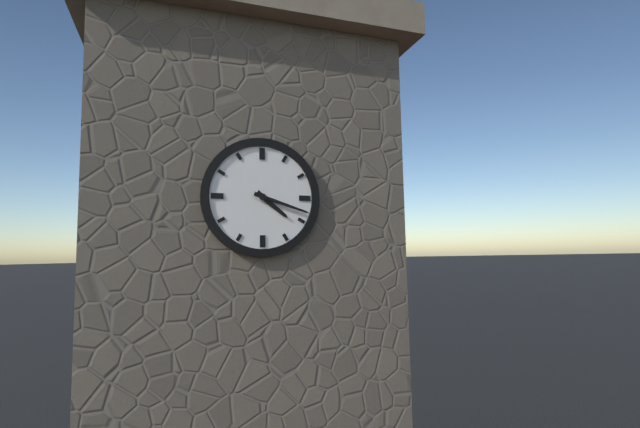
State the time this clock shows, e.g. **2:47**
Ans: **4:18**
